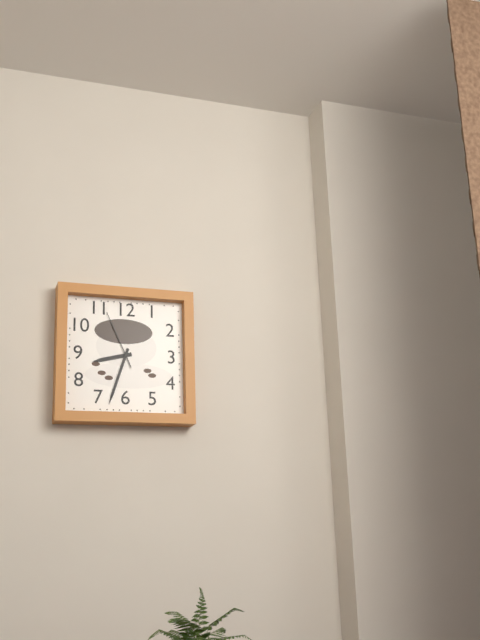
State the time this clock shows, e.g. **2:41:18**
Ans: **8:33:56**
